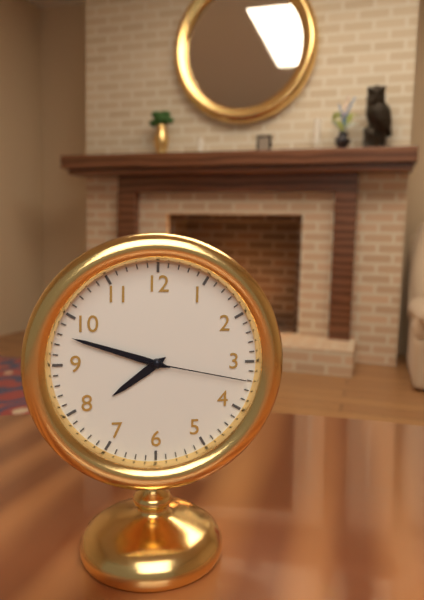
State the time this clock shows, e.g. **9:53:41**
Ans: **7:48:17**
